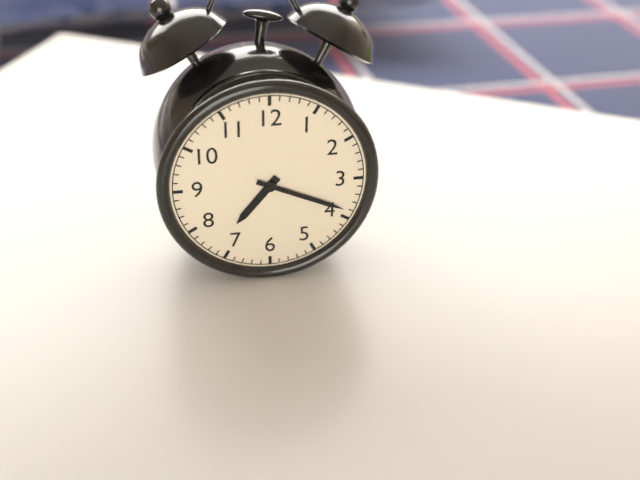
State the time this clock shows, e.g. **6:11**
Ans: **7:19**
